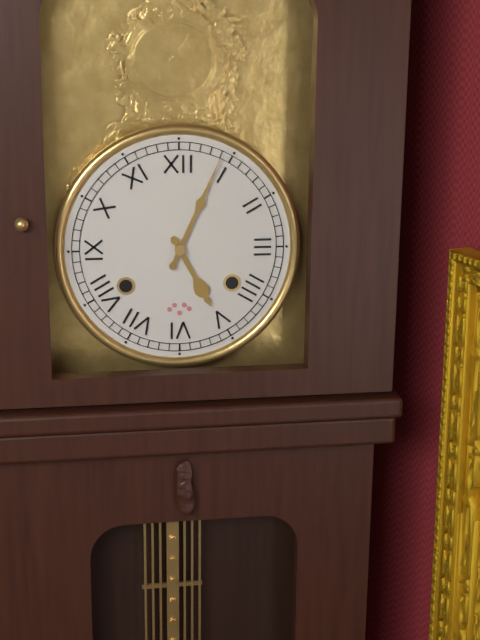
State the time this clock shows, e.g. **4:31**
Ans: **5:04**
